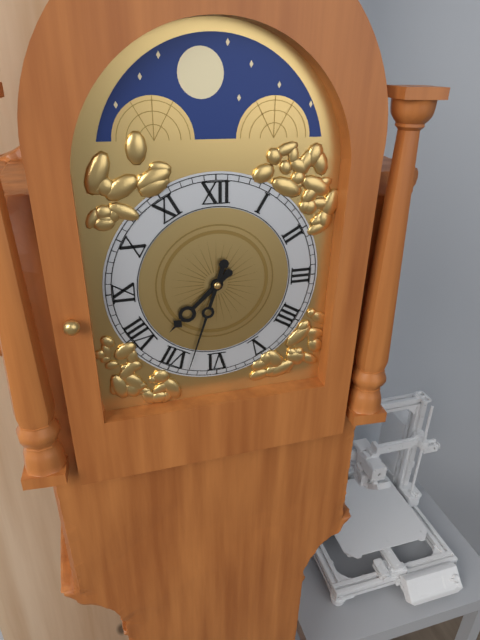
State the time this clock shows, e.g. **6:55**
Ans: **7:33**
